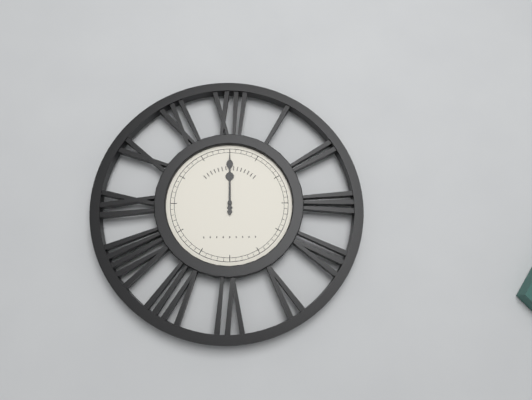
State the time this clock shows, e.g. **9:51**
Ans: **12:00**
